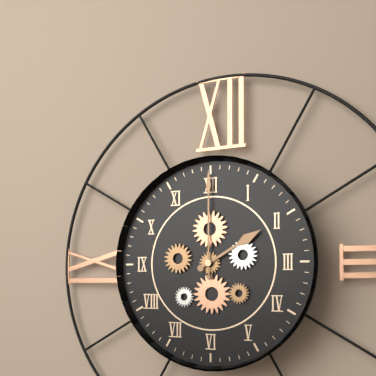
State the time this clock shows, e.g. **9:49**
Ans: **2:00**
